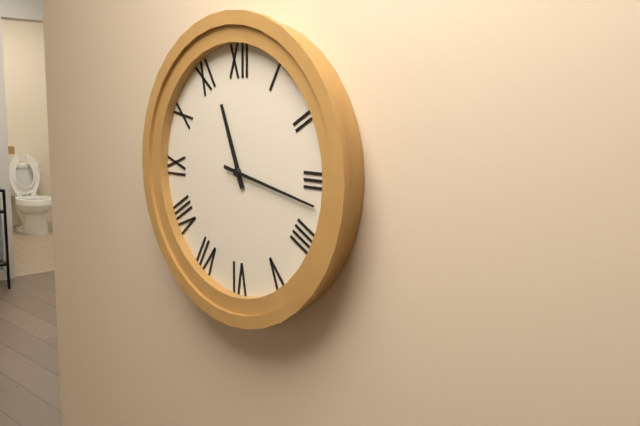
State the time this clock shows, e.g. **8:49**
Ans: **11:17**
